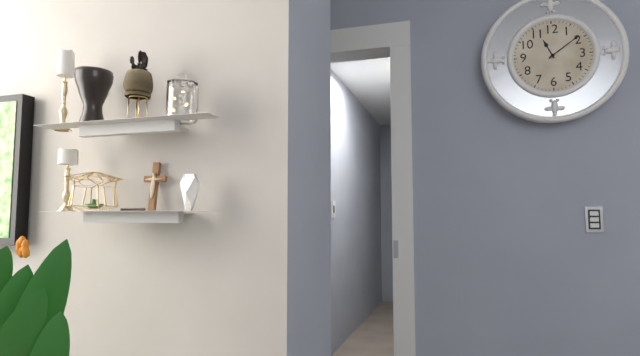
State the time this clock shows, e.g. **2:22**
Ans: **11:09**
